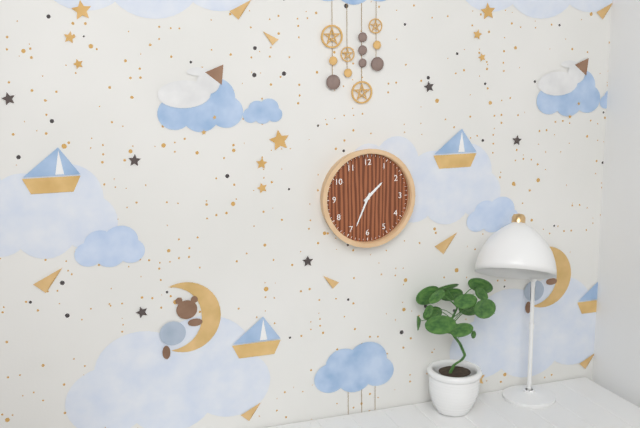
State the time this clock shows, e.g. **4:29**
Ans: **1:34**
